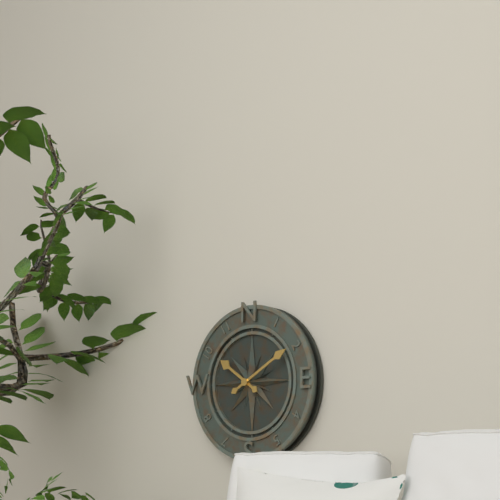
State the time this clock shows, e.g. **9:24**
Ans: **10:10**
